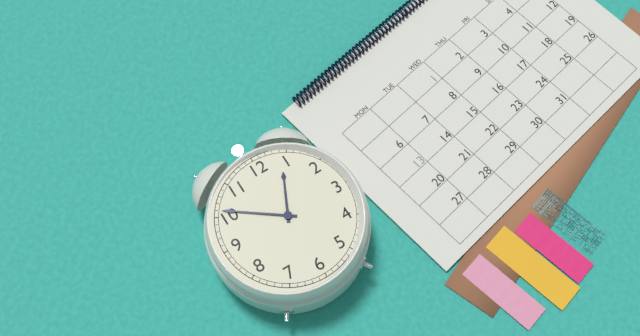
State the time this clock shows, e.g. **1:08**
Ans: **12:51**
